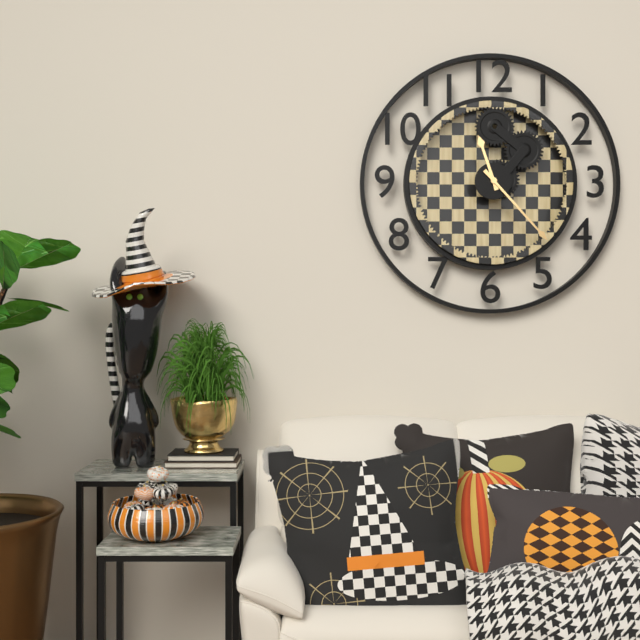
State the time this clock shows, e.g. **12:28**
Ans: **11:23**
